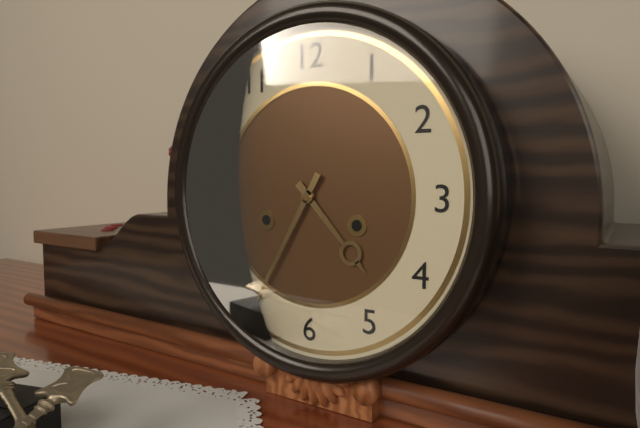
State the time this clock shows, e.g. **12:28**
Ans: **4:35**
